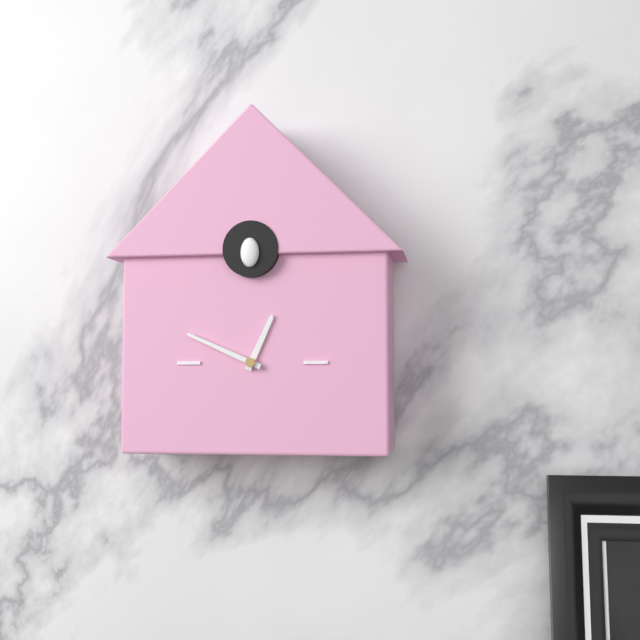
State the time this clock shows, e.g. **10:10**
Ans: **12:49**
